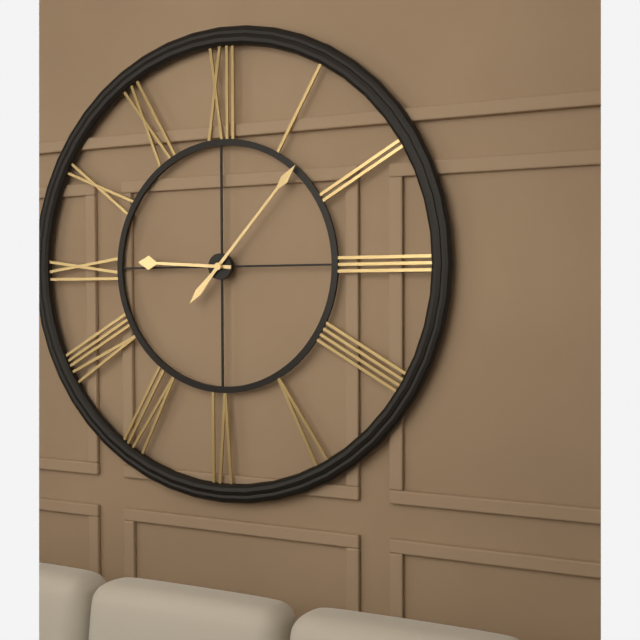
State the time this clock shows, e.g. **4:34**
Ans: **9:07**
